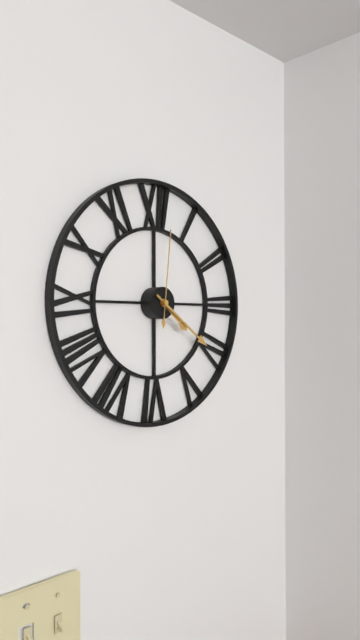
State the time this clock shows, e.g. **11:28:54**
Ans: **4:21:01**
